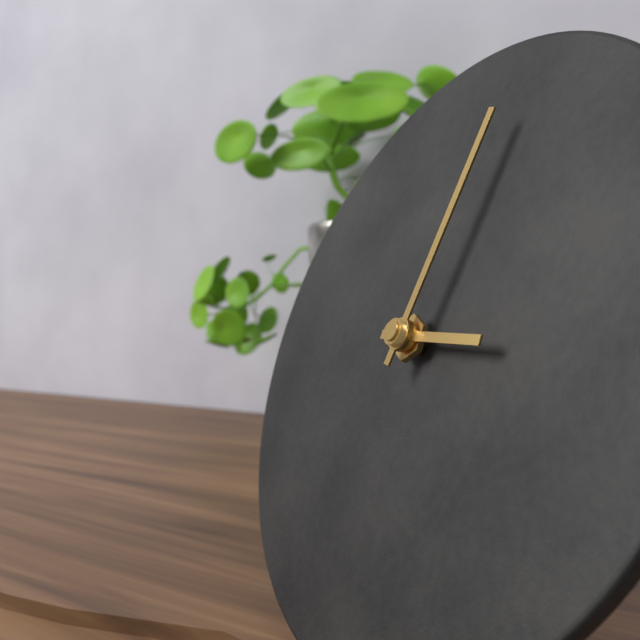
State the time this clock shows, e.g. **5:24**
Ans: **3:02**
